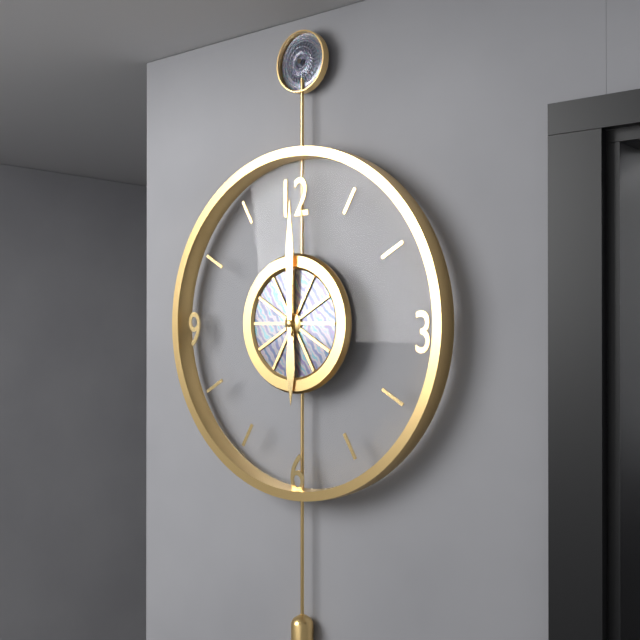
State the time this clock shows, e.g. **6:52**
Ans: **6:00**
